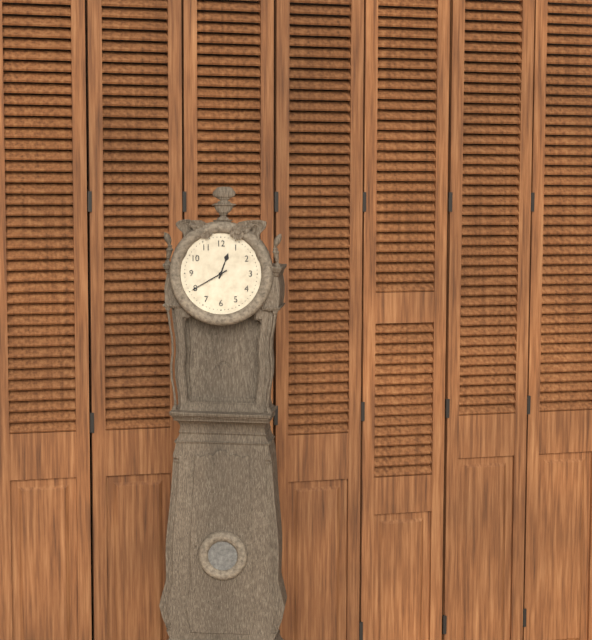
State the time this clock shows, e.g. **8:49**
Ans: **12:40**
